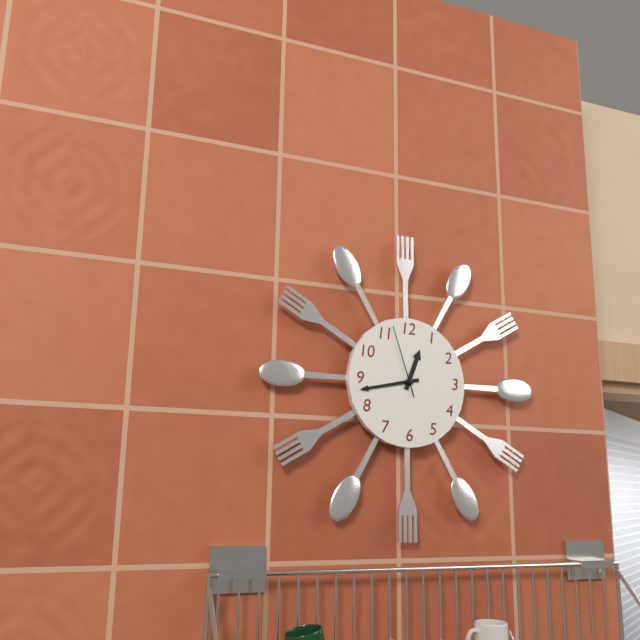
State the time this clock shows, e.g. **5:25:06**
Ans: **12:43:57**
